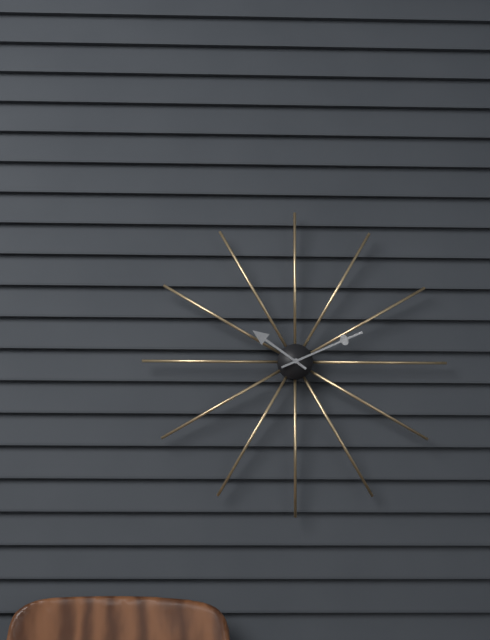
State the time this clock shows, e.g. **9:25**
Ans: **10:11**
